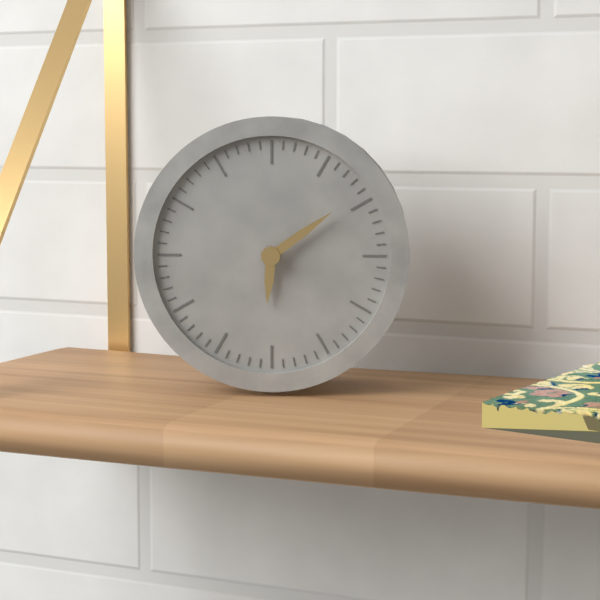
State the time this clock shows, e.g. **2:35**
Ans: **6:09**
